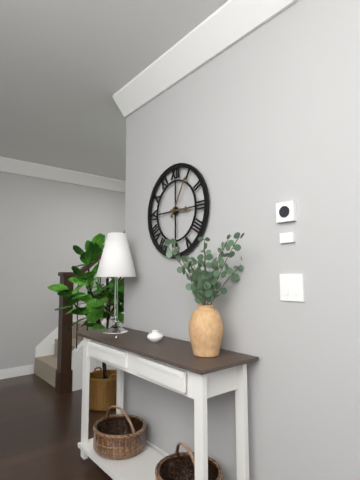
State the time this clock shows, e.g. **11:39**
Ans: **3:05**
